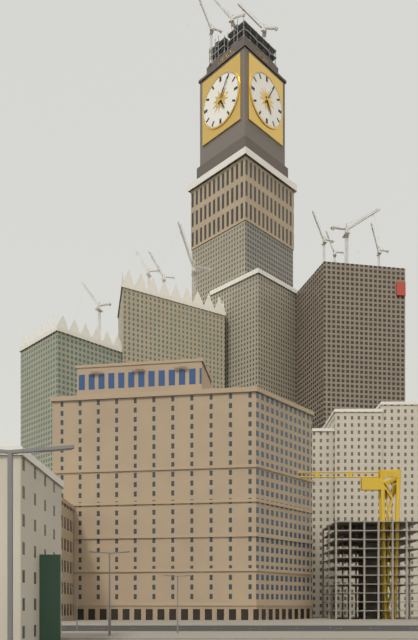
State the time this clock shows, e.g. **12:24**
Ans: **5:05**
